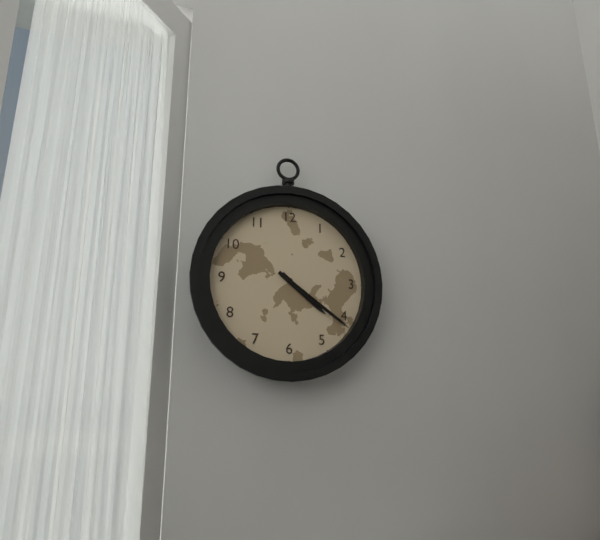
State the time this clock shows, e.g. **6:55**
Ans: **4:21**
